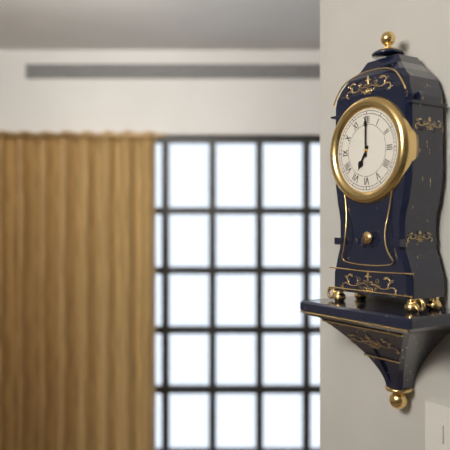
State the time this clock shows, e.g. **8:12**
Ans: **7:00**
